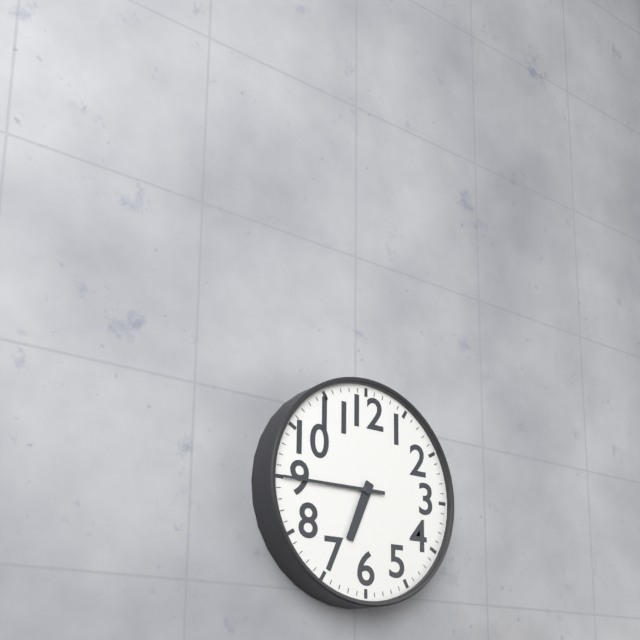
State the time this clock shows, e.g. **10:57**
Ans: **6:45**
